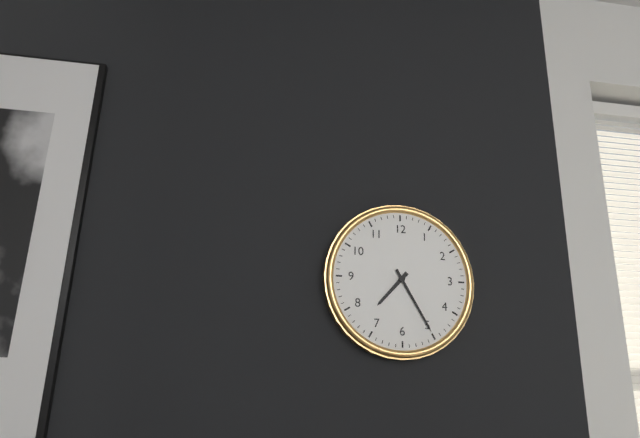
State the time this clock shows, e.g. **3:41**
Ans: **7:25**
